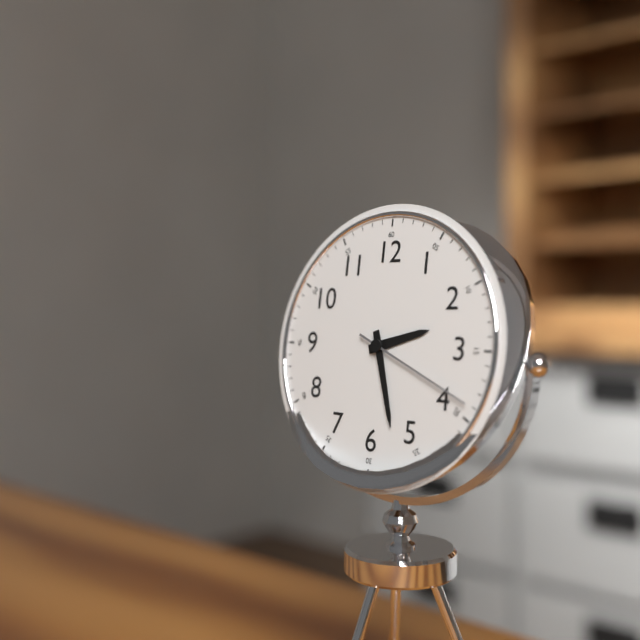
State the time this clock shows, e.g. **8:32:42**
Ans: **2:27:19**
